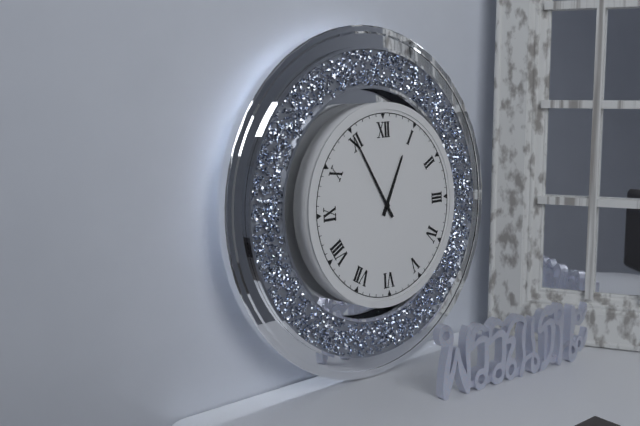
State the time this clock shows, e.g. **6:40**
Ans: **12:55**
